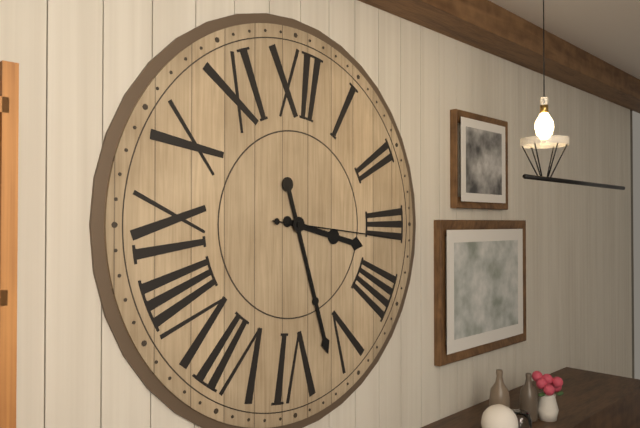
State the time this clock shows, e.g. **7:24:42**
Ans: **3:27:16**
